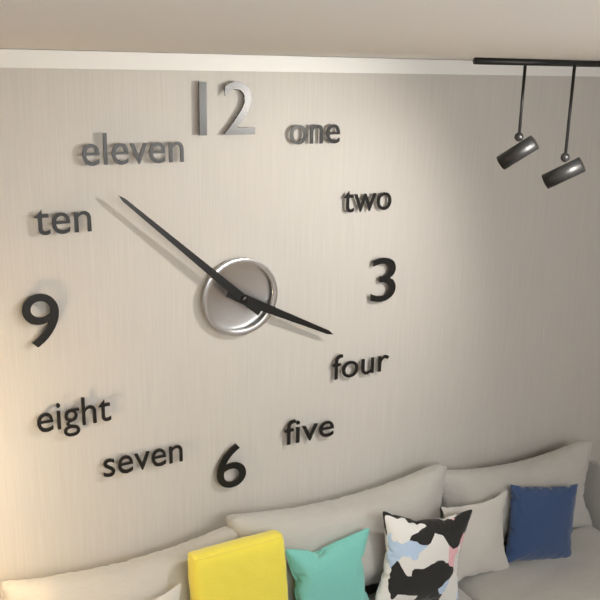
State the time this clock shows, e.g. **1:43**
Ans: **3:52**
